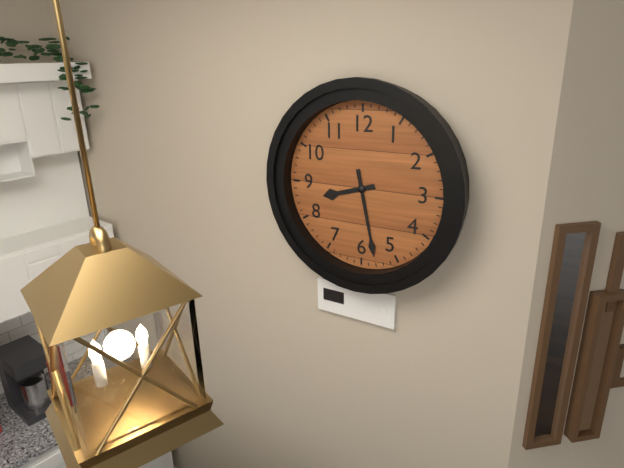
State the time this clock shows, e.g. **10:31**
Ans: **8:28**
